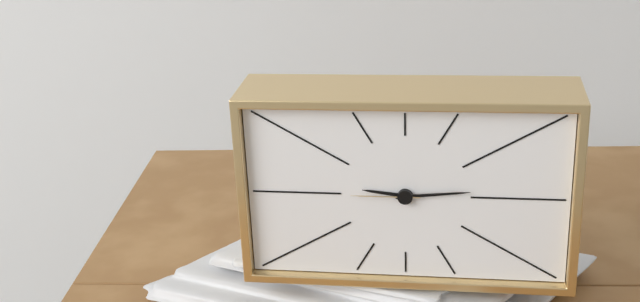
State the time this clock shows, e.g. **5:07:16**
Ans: **9:14:45**
